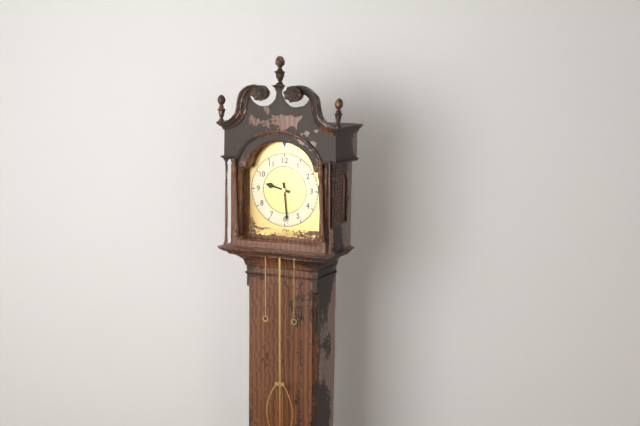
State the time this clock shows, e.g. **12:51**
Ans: **9:29**
